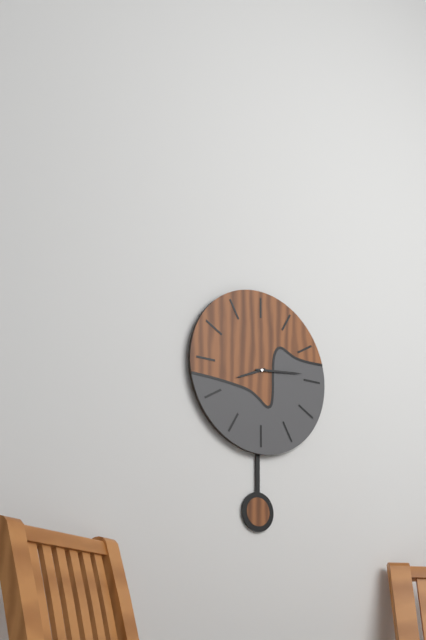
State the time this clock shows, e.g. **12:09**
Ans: **8:14**
